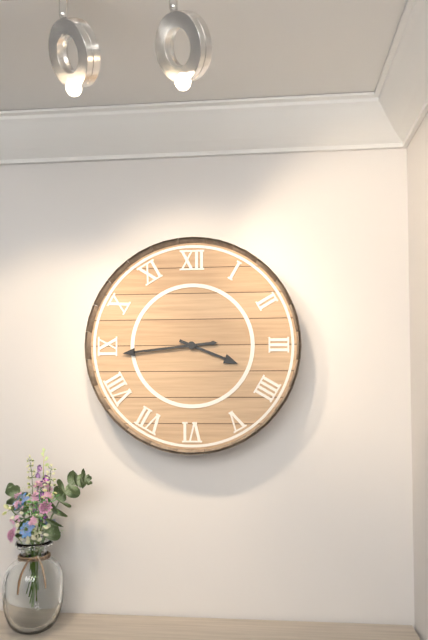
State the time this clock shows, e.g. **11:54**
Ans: **3:44**
